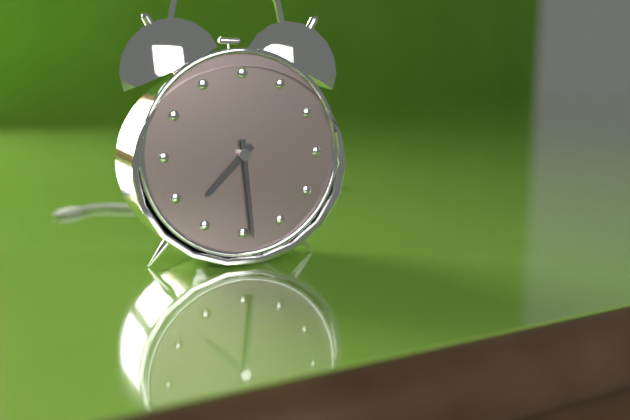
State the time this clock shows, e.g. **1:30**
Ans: **7:29**
